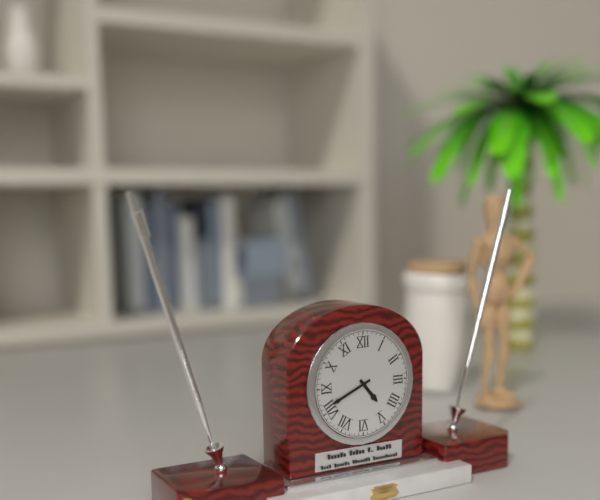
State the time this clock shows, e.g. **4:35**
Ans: **4:41**
